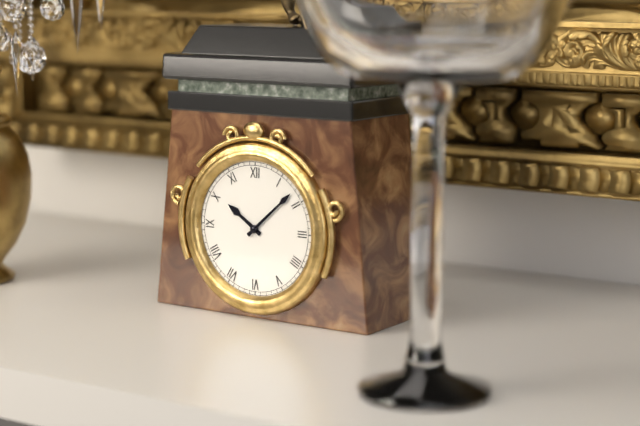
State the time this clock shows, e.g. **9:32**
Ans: **10:08**
